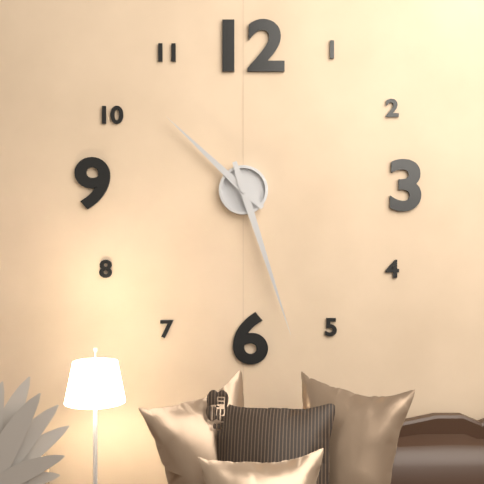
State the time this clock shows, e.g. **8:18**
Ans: **10:27**
